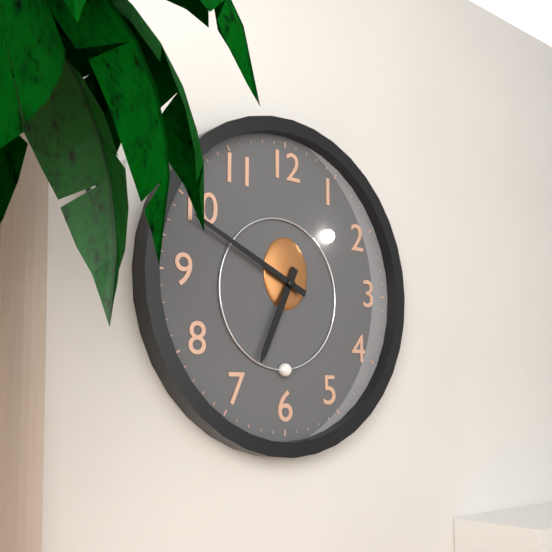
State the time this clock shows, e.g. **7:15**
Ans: **6:49**
